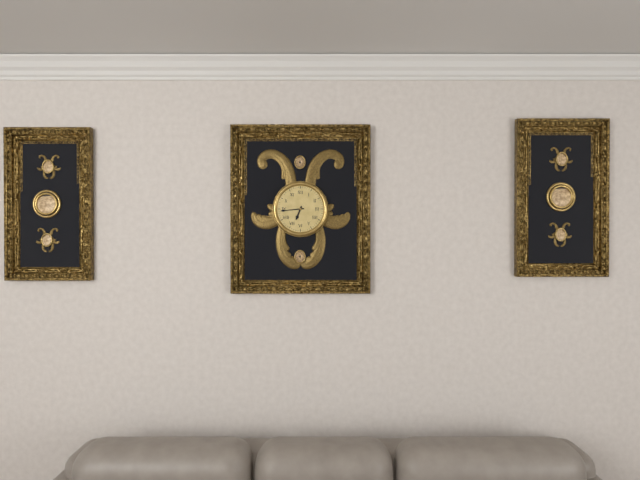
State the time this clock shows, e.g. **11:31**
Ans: **6:44**
